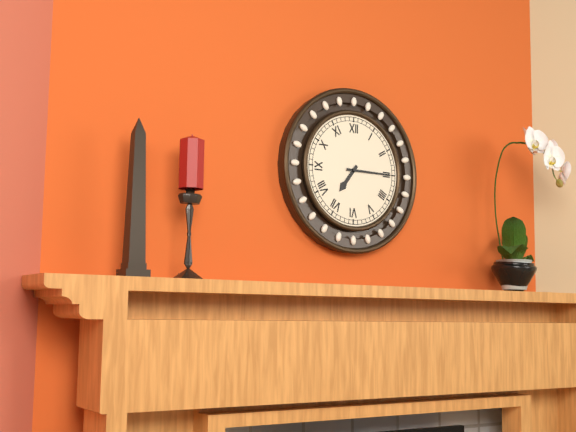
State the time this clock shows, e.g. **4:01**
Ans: **7:15**
